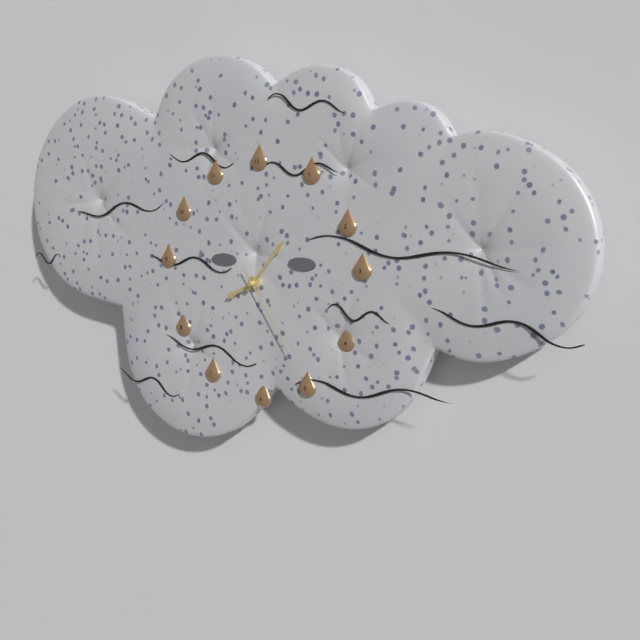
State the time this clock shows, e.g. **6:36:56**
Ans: **8:07:24**
